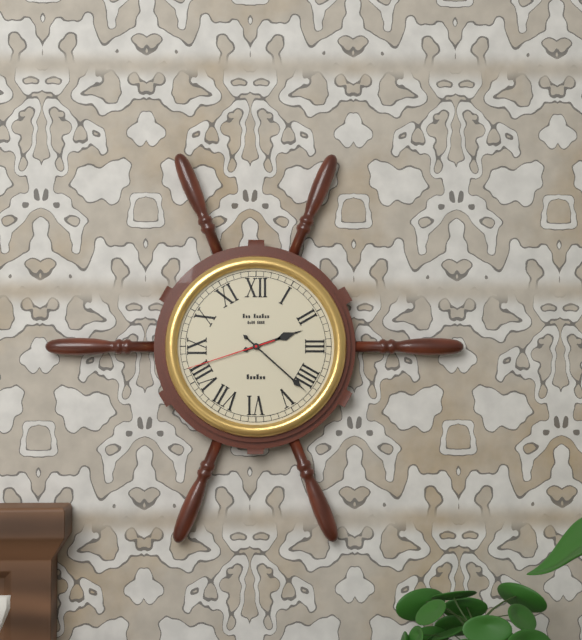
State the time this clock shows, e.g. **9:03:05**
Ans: **2:22:42**
